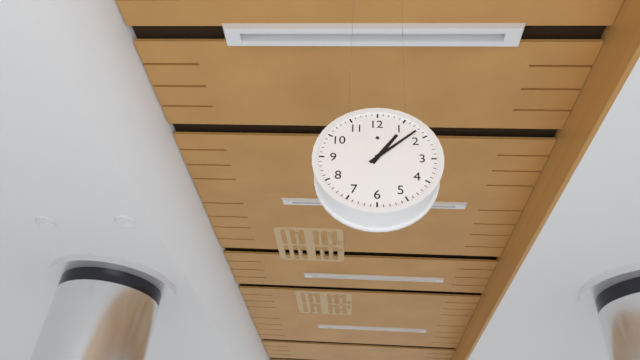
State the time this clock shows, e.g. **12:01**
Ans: **1:08**
